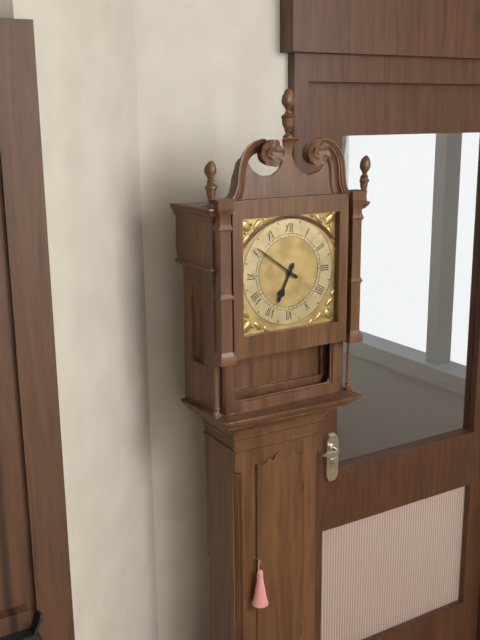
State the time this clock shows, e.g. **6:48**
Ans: **6:51**
